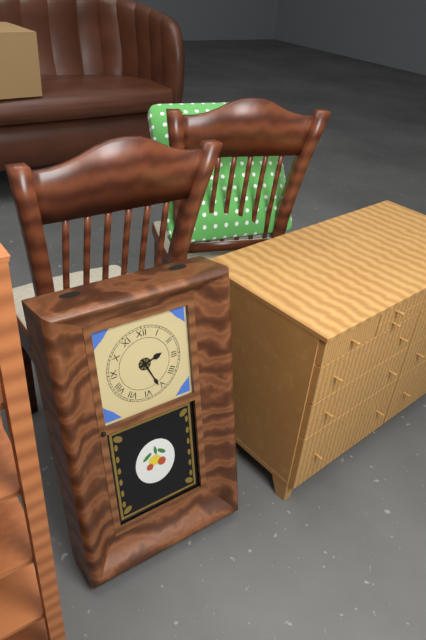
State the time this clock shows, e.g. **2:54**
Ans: **2:26**
